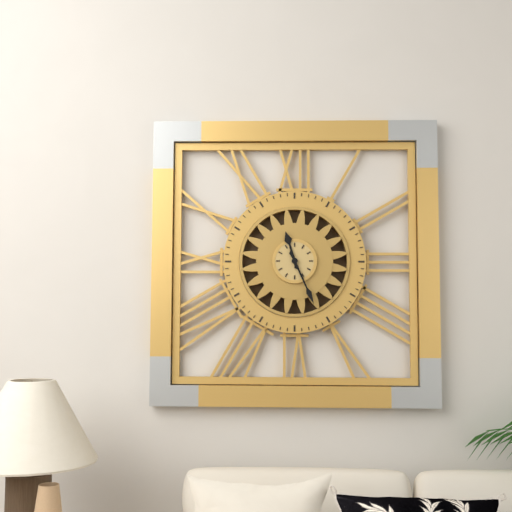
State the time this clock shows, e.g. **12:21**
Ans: **11:26**
